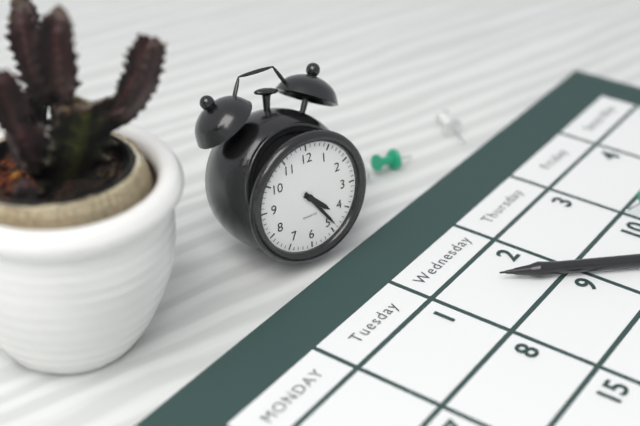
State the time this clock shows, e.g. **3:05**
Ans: **4:24**
